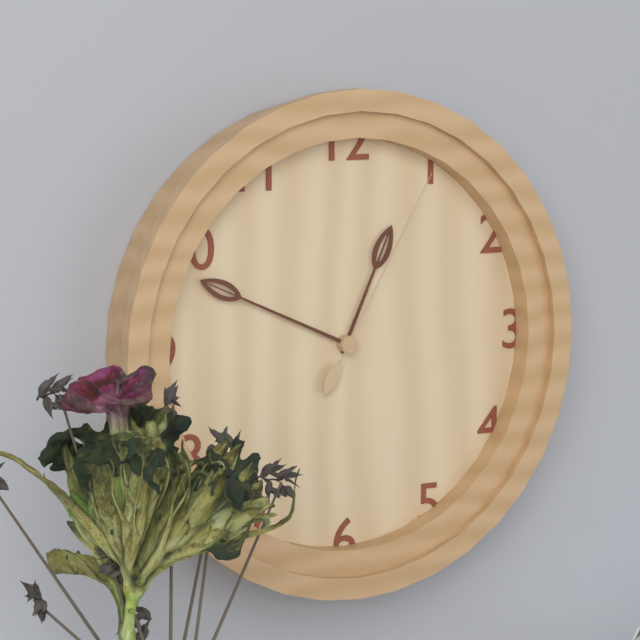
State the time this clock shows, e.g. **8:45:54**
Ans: **12:49:05**
